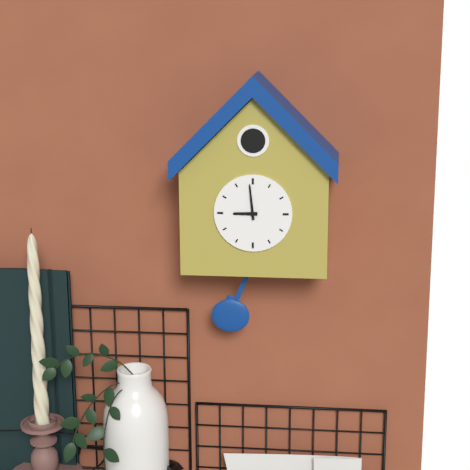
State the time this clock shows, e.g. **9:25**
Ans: **8:59**
